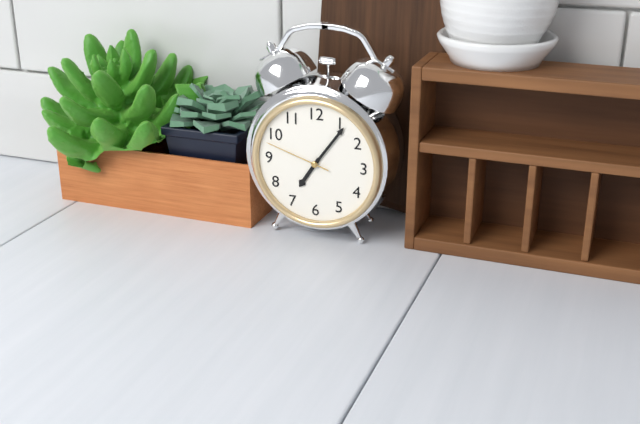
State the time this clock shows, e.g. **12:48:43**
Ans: **7:06:48**
